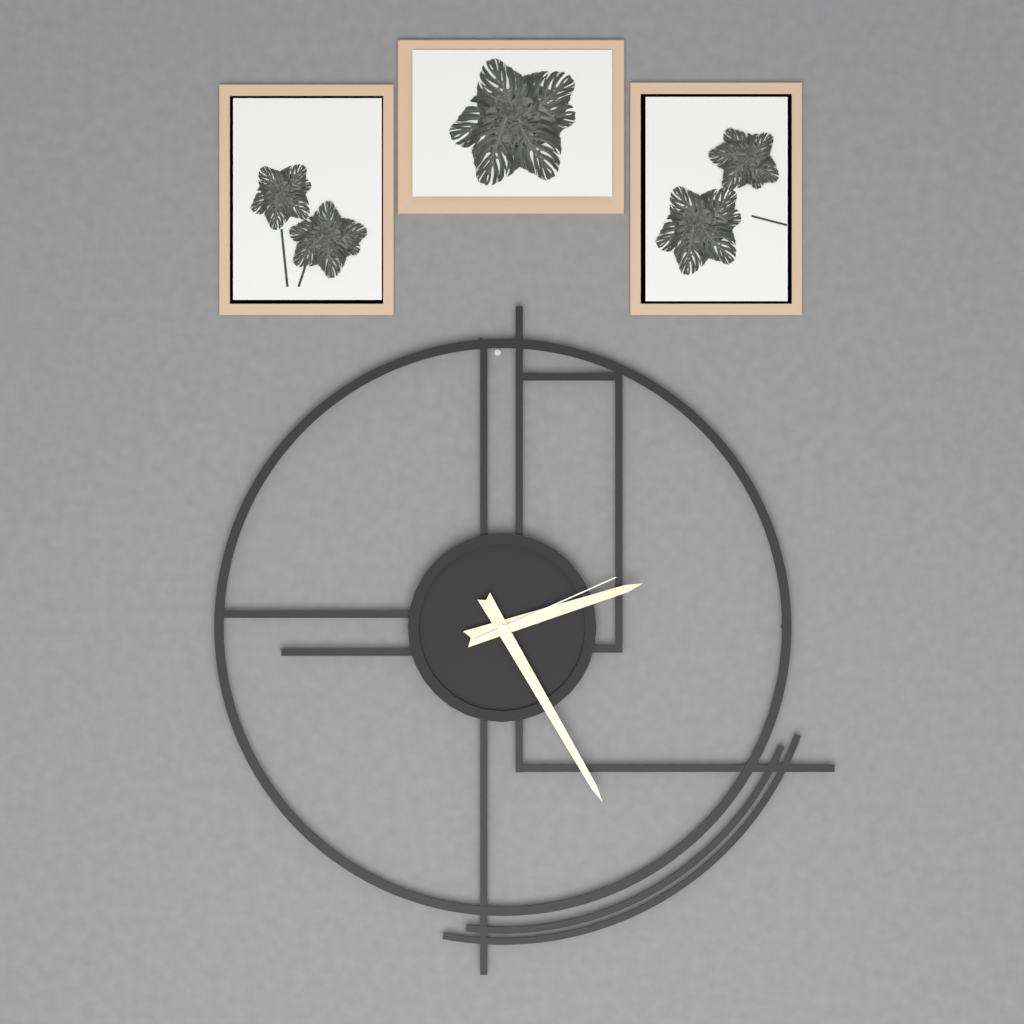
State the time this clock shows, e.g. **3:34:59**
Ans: **2:25:11**
